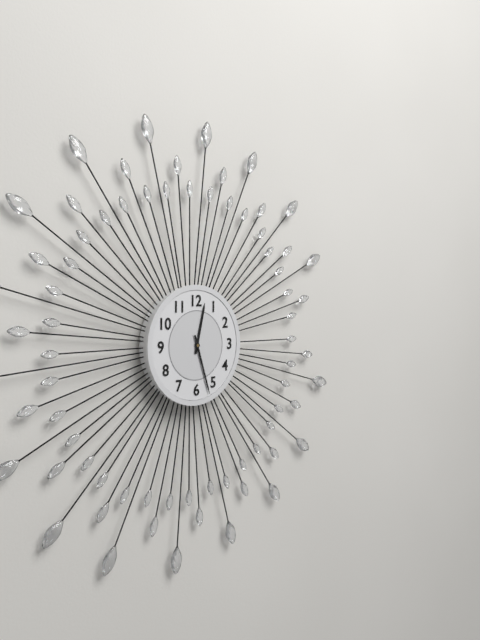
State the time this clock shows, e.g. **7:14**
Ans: **12:27**
